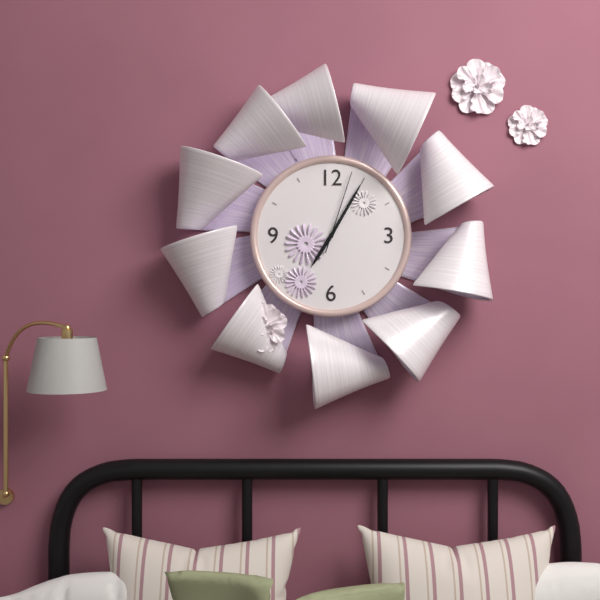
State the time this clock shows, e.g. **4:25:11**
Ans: **7:05:03**
